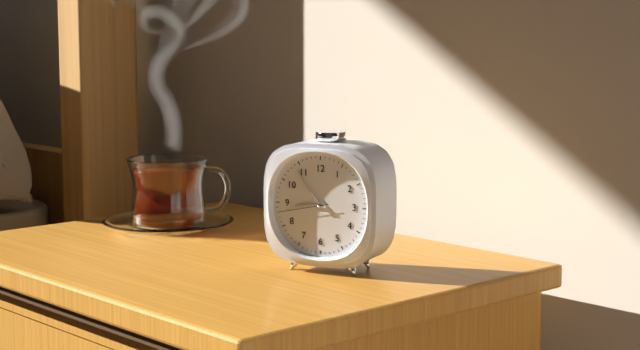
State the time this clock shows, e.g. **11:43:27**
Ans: **8:54:43**
